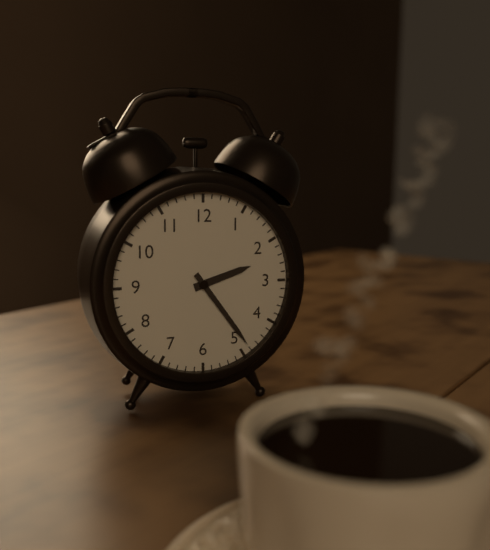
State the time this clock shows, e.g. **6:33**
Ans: **2:24**
